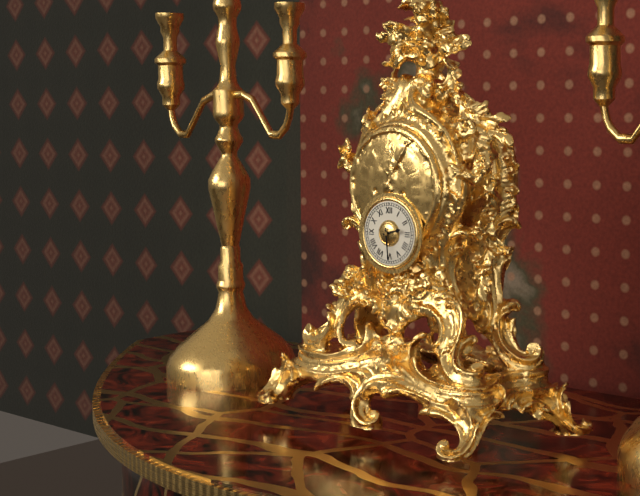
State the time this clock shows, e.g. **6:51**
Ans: **2:29**
